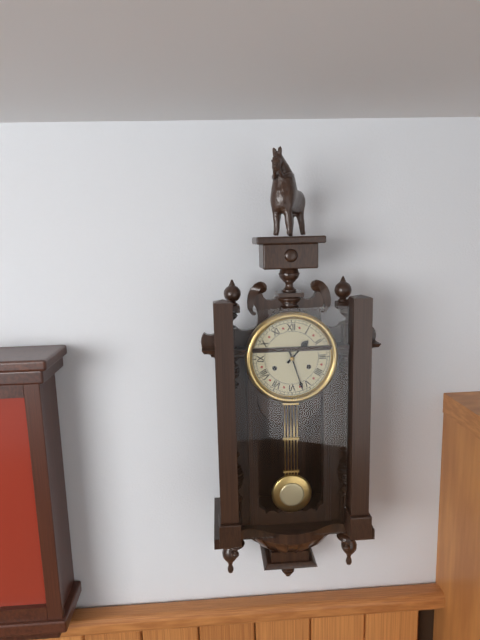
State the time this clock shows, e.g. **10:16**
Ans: **1:27**
